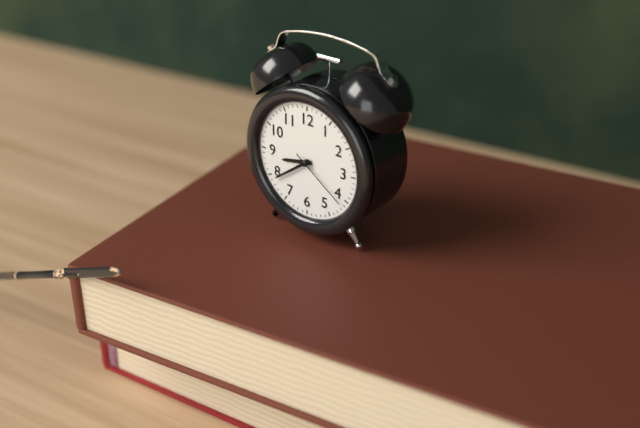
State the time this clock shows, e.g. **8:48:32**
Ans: **8:39:21**
